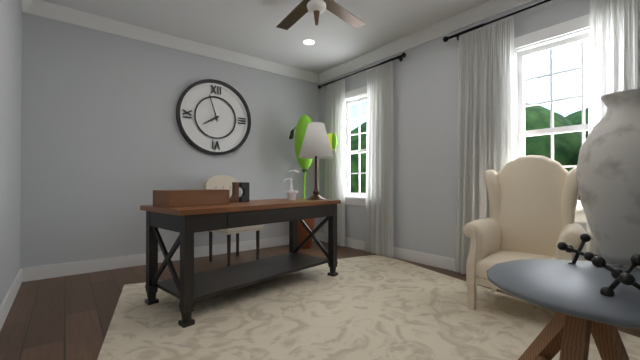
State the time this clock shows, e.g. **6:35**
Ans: **7:57**
